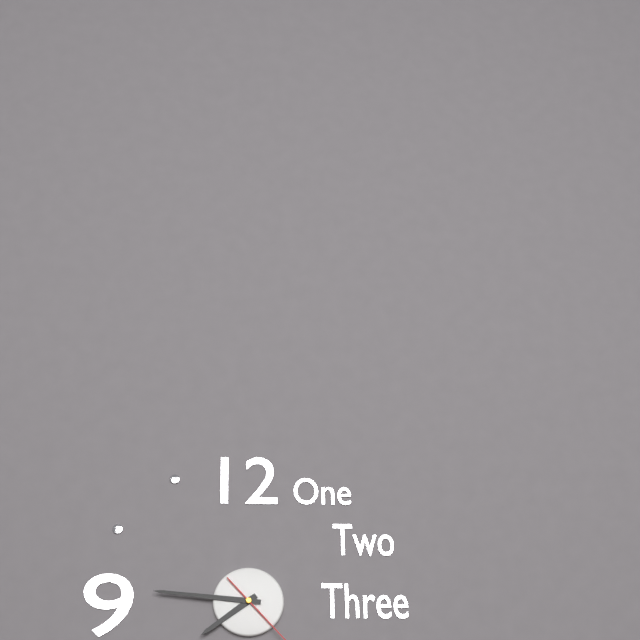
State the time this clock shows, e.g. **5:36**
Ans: **7:46**
